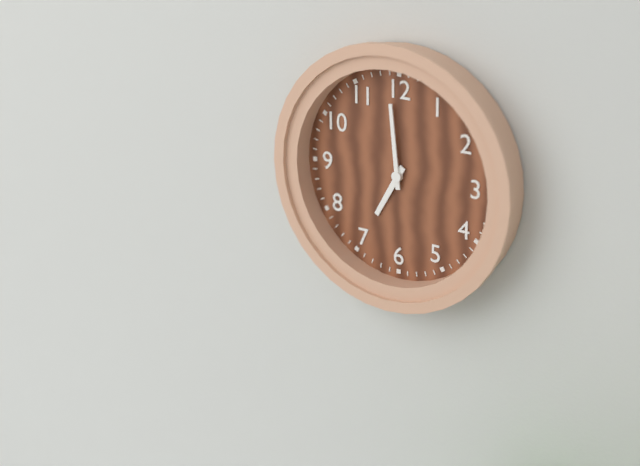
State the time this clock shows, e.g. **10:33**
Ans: **6:59**
